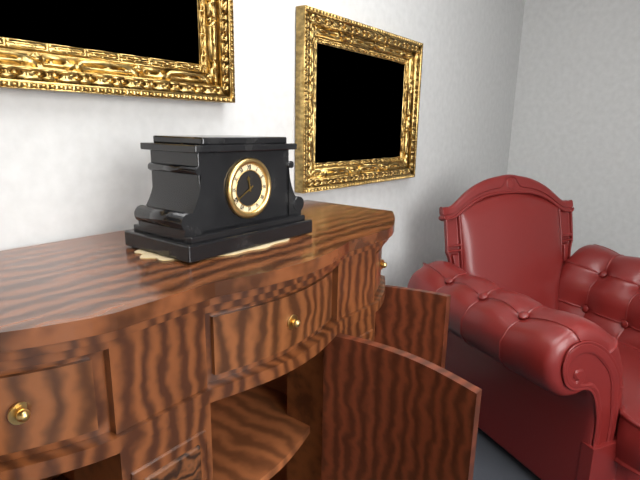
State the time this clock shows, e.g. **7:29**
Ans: **11:40**
